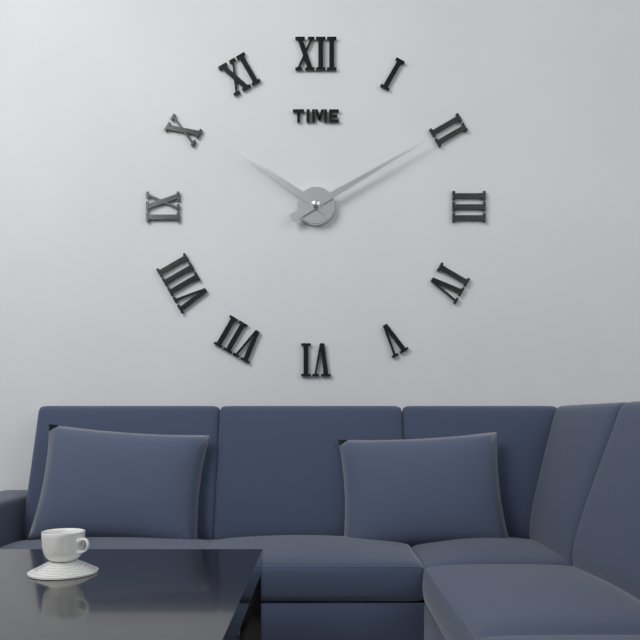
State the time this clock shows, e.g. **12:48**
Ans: **10:10**
